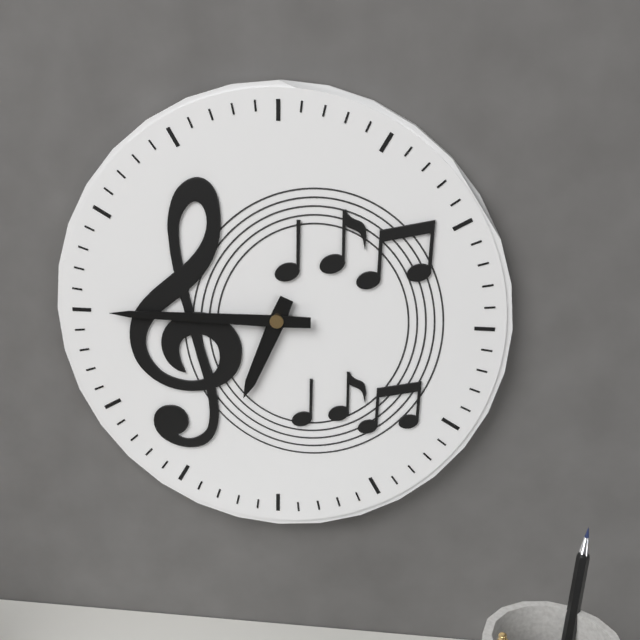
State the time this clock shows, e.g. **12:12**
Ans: **6:45**
